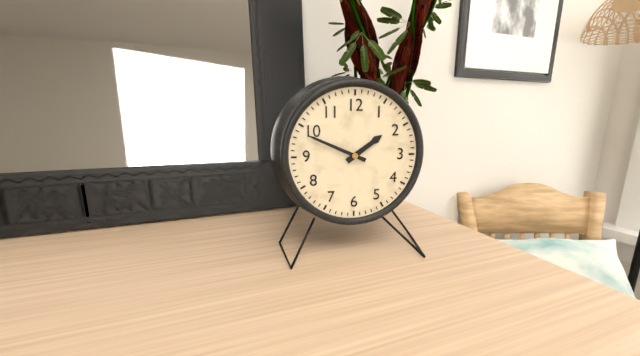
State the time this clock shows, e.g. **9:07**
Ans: **1:49**
